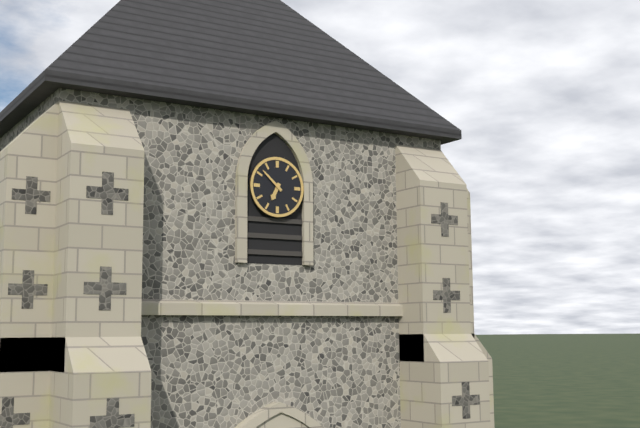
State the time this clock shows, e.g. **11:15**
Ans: **6:52**
